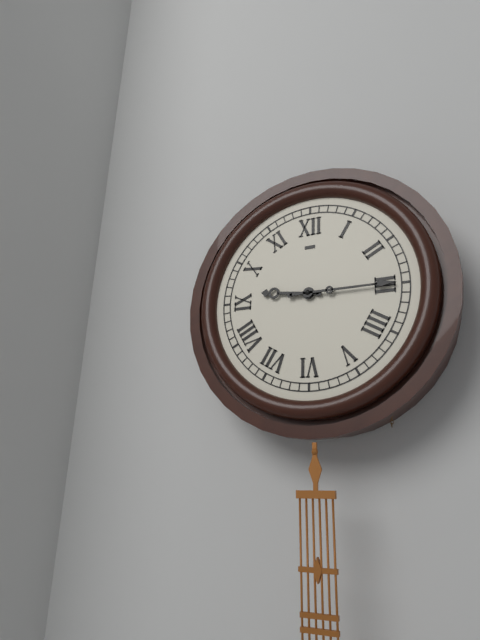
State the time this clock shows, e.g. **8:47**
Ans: **9:15**
